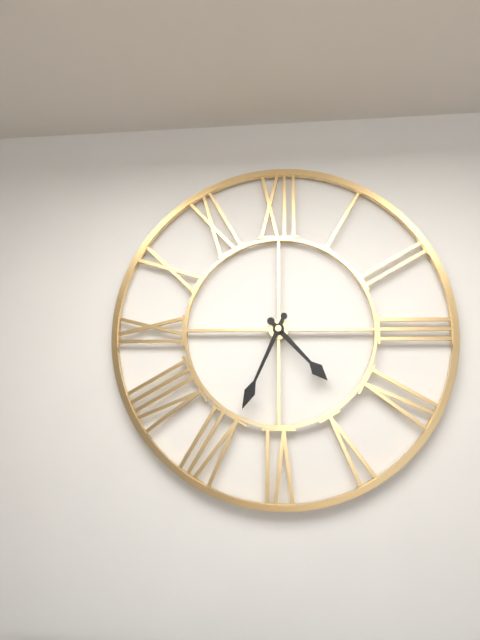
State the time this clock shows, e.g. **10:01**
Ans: **4:34**
